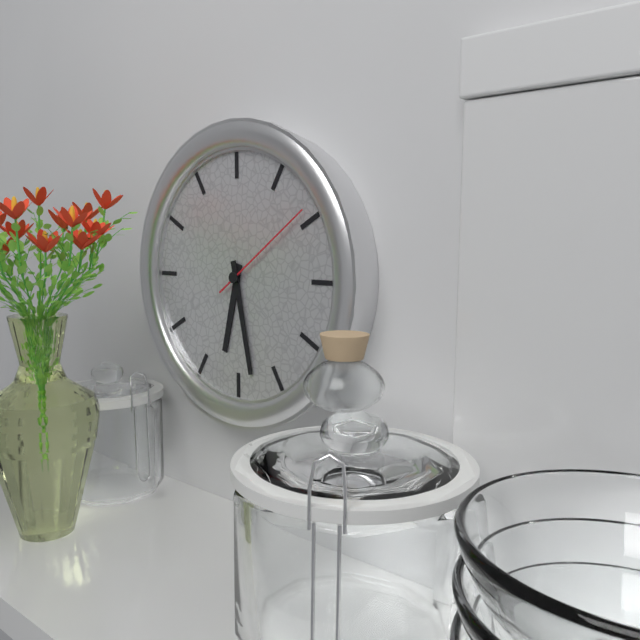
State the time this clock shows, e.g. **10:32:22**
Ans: **6:28:09**
